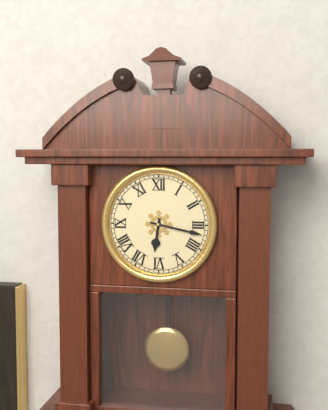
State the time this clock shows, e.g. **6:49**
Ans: **6:17**
